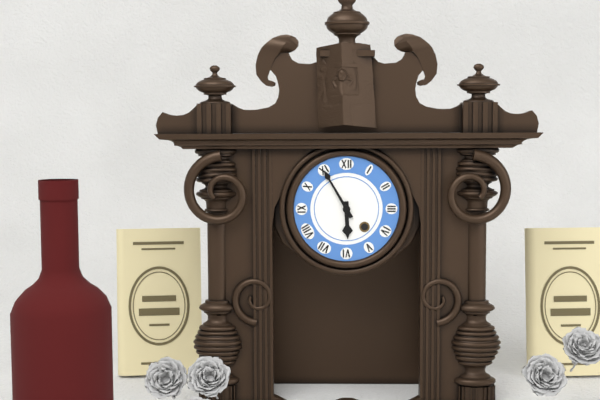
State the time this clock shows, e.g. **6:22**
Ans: **5:55**
